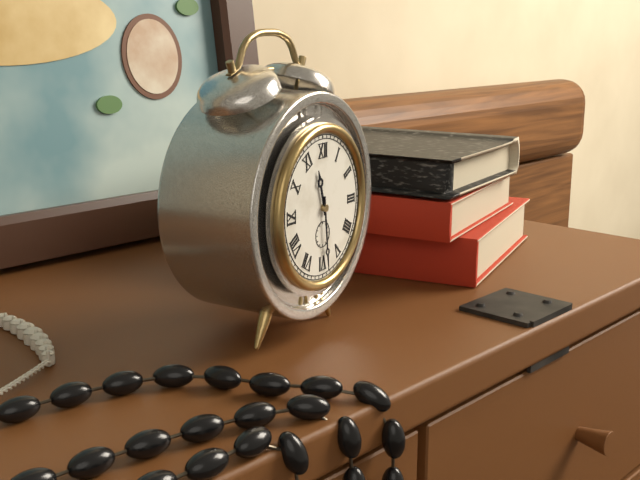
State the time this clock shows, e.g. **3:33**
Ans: **11:29**
